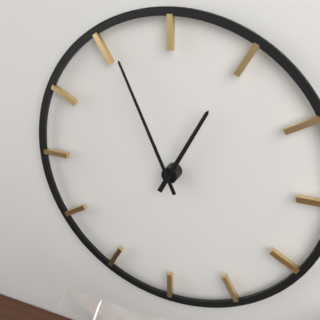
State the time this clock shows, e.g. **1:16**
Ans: **12:56**
